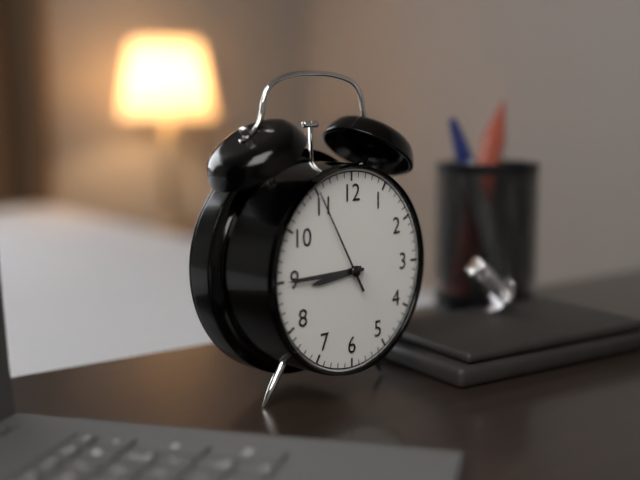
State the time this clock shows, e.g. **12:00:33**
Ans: **8:45:55**
